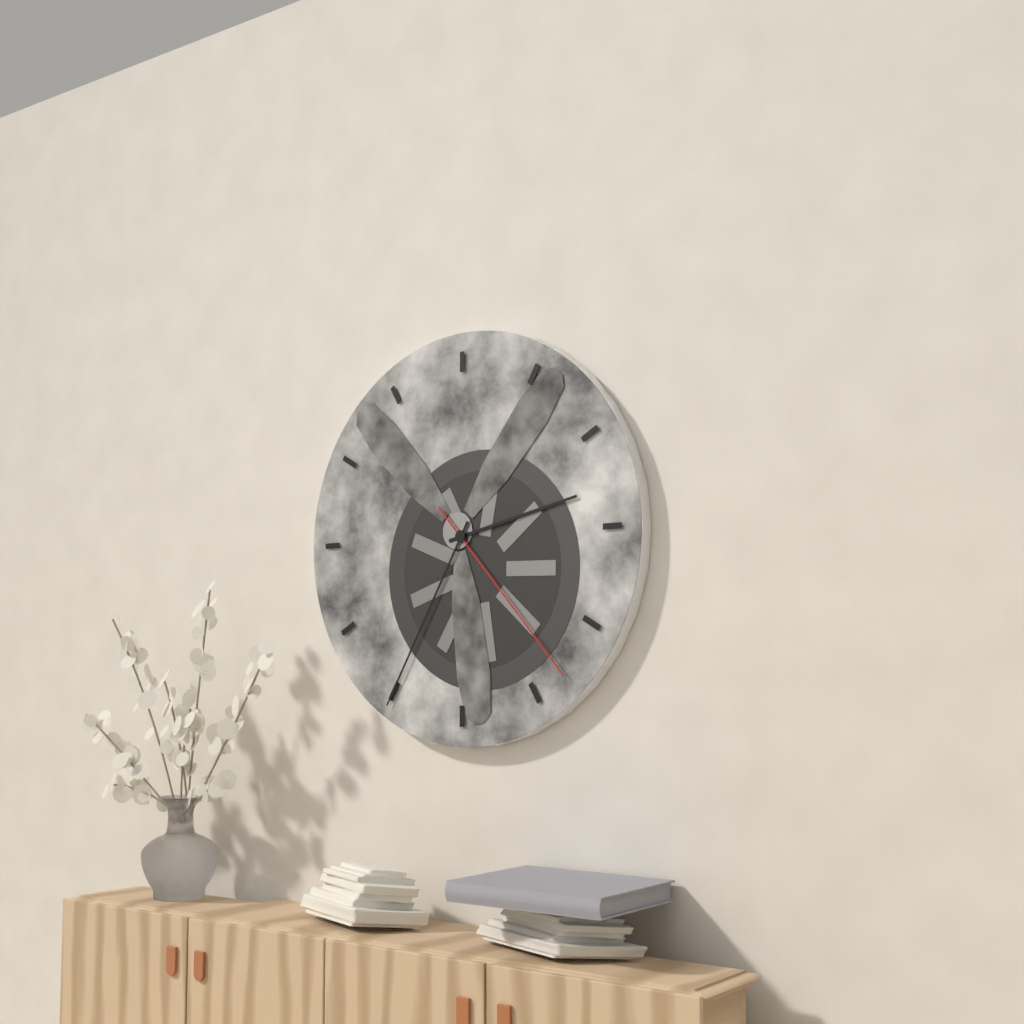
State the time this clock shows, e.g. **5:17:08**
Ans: **2:35:23**
